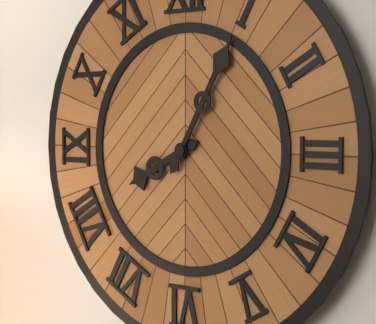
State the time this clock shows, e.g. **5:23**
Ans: **8:05**
